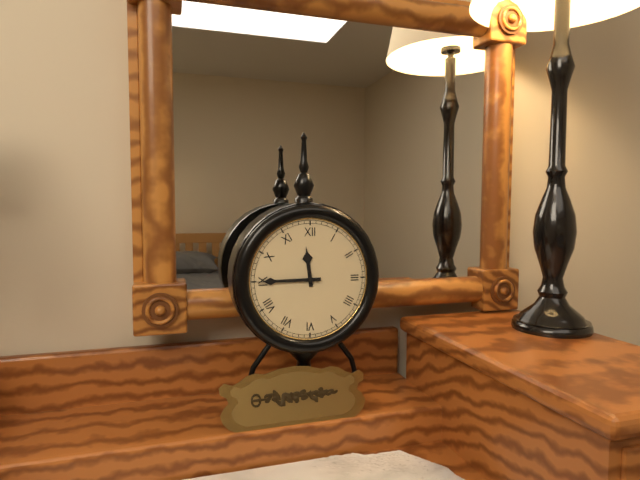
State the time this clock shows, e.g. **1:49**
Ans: **11:45**
